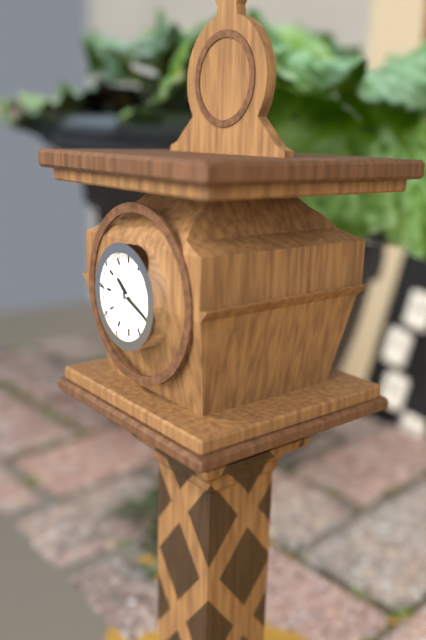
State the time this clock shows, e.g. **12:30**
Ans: **10:19**
